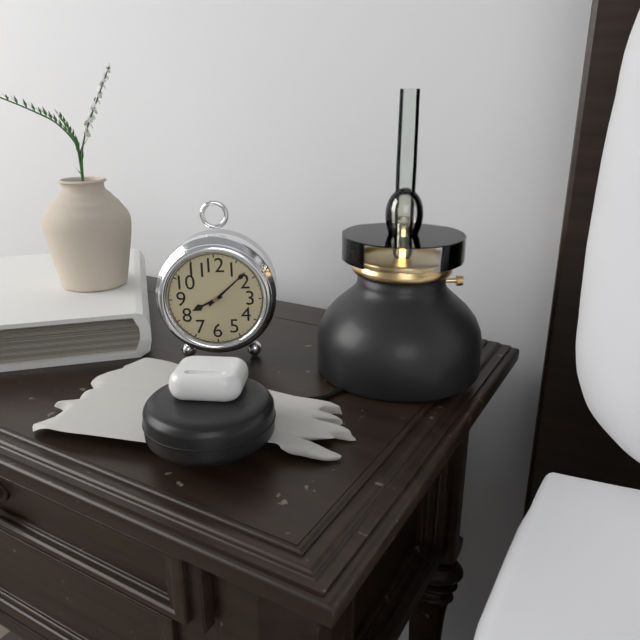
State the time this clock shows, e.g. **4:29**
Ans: **8:08**
